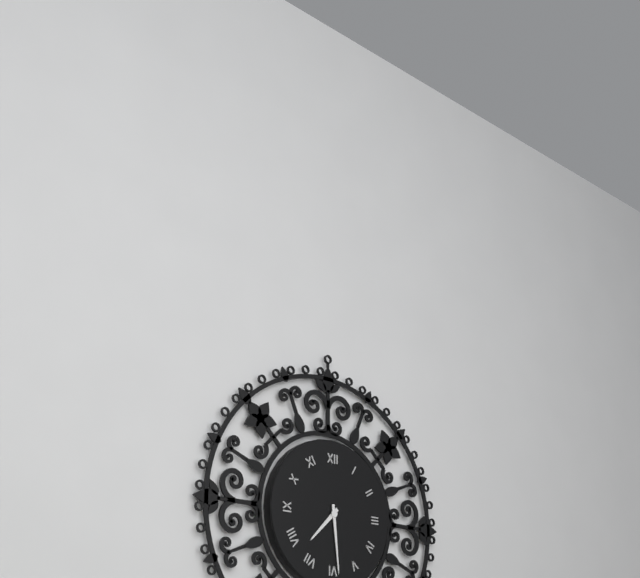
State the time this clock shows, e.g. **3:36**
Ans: **7:29**
